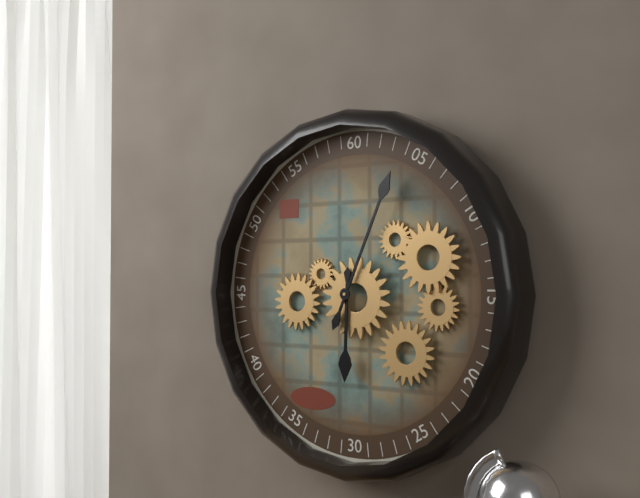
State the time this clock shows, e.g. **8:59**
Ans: **6:04**
